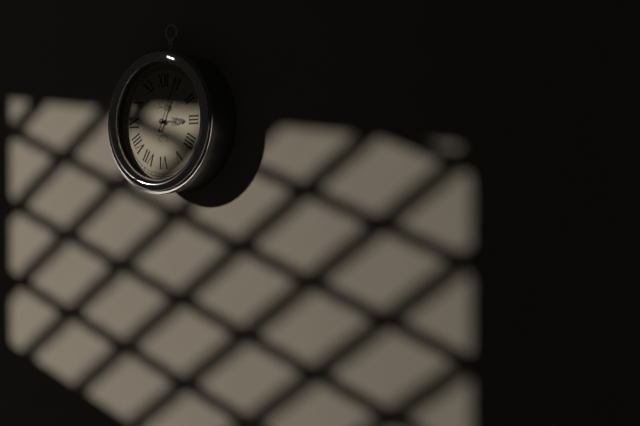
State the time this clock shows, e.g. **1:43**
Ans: **3:04**
